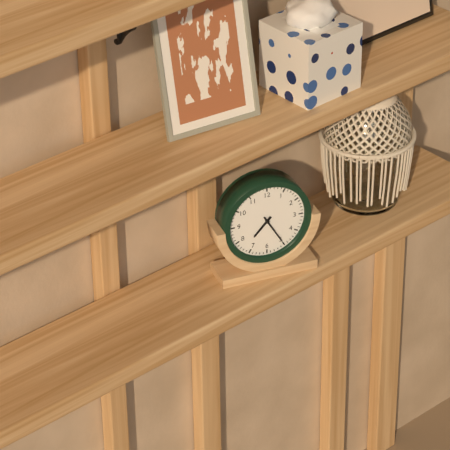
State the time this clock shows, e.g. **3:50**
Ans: **7:25**
